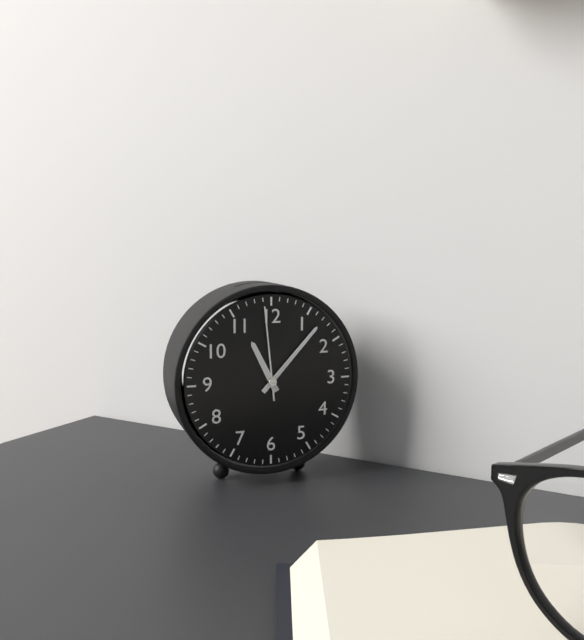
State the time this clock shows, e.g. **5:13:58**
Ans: **11:07:59**
